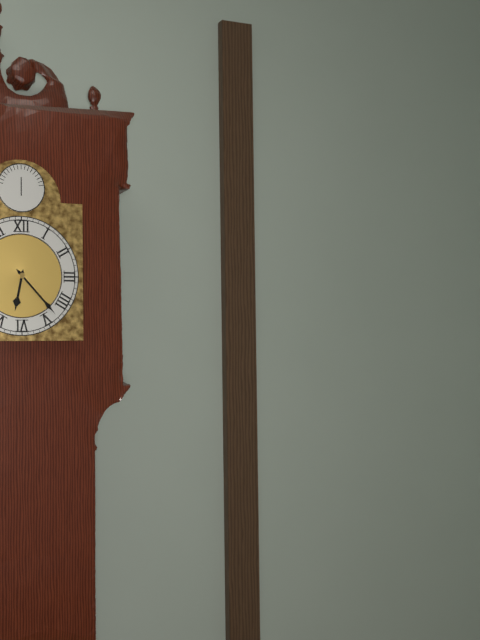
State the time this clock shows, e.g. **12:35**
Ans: **6:23**
